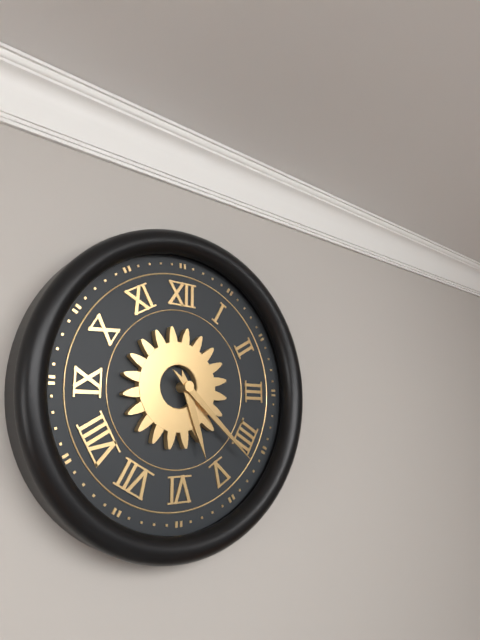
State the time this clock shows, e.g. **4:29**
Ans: **5:22**
